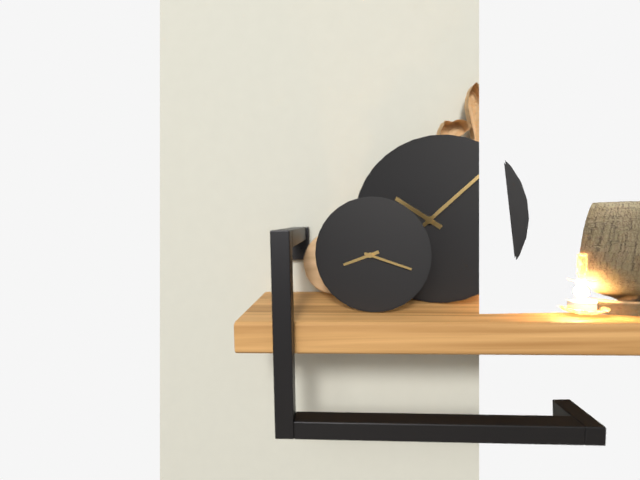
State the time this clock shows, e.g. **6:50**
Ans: **8:18**
